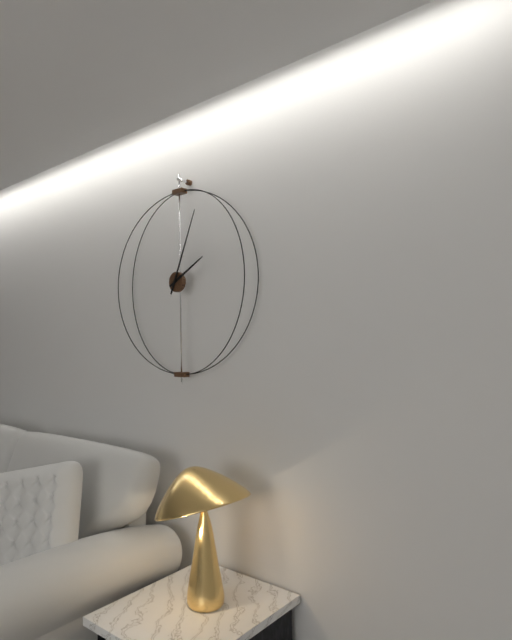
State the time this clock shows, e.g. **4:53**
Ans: **2:04**
